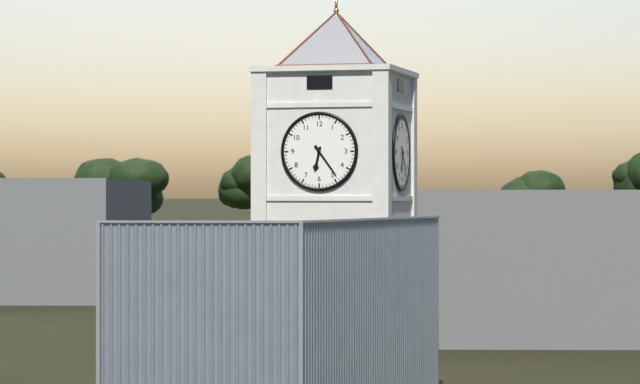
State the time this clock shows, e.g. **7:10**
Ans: **6:24**
